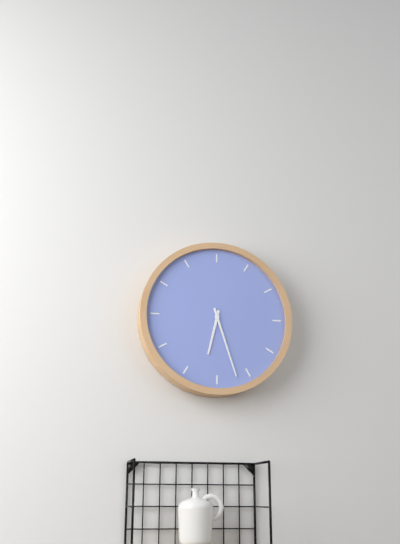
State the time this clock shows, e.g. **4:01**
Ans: **6:27**
